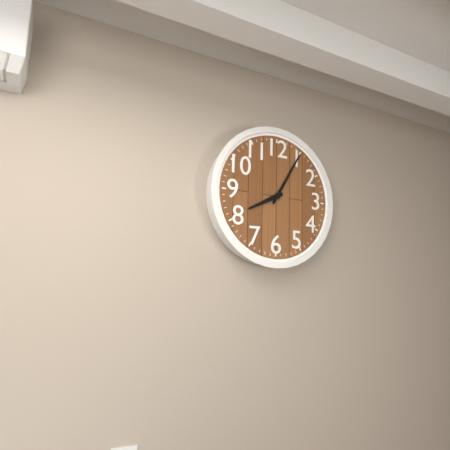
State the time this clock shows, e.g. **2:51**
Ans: **8:05**
